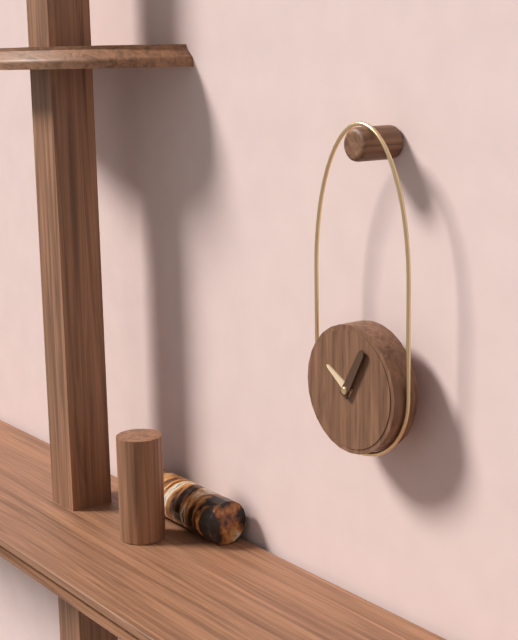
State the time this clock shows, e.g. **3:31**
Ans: **10:05**
